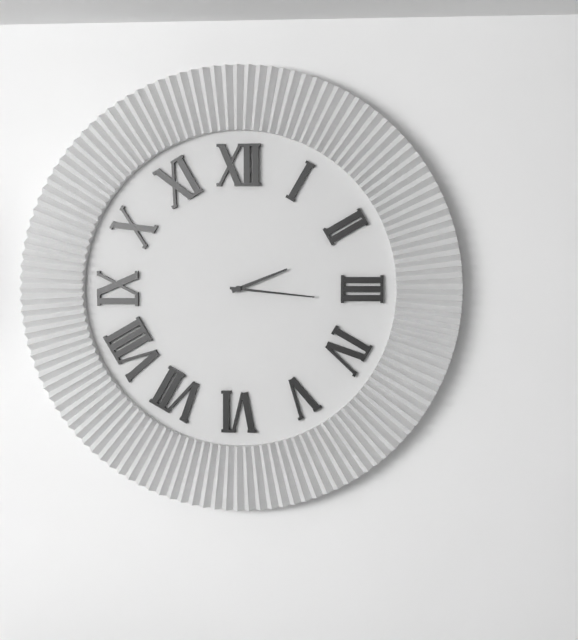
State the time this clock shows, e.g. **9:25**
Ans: **2:16**
